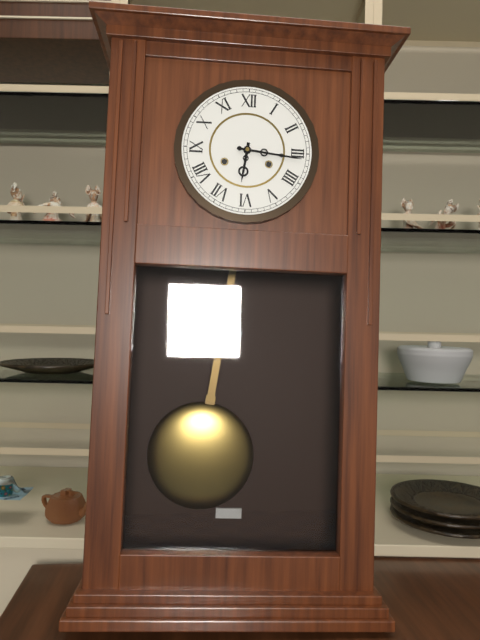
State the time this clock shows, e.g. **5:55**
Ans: **6:16**
